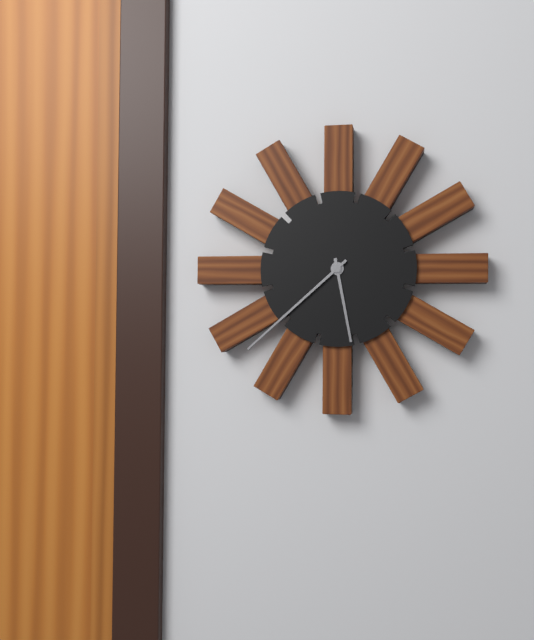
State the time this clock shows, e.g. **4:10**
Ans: **5:38**
